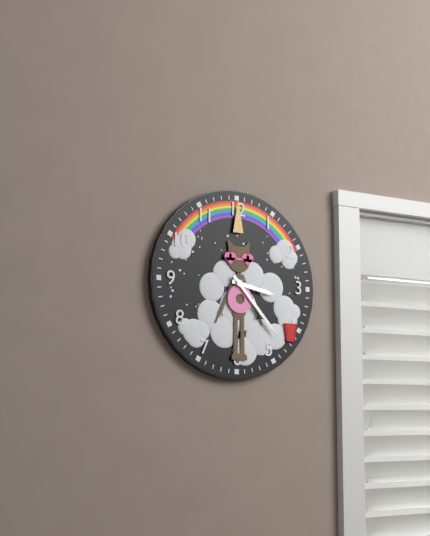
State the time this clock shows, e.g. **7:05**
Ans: **3:23**
